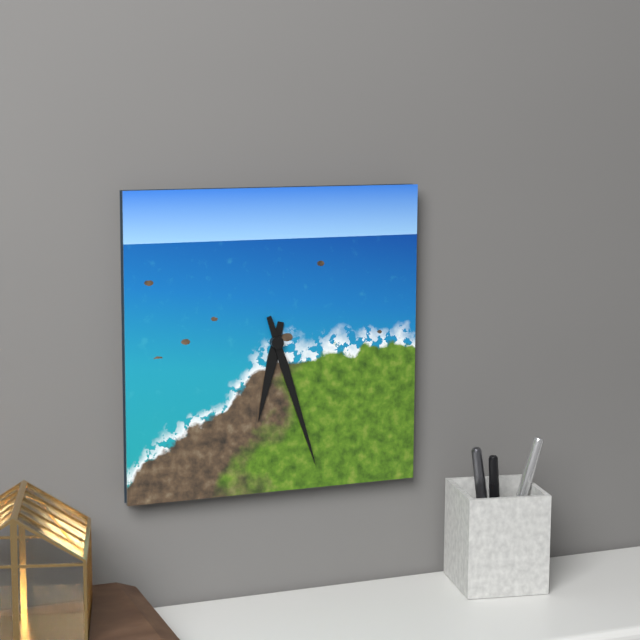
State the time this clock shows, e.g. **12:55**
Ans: **6:27**
